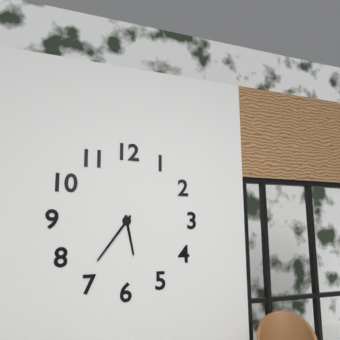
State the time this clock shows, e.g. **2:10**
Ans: **5:36**
